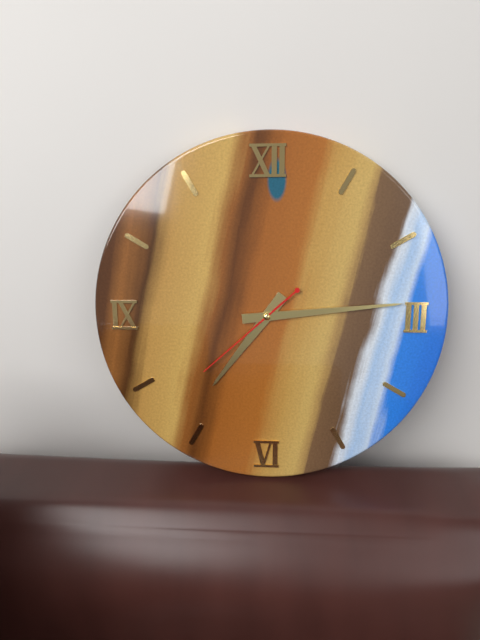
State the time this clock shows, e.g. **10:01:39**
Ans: **7:14:38**
